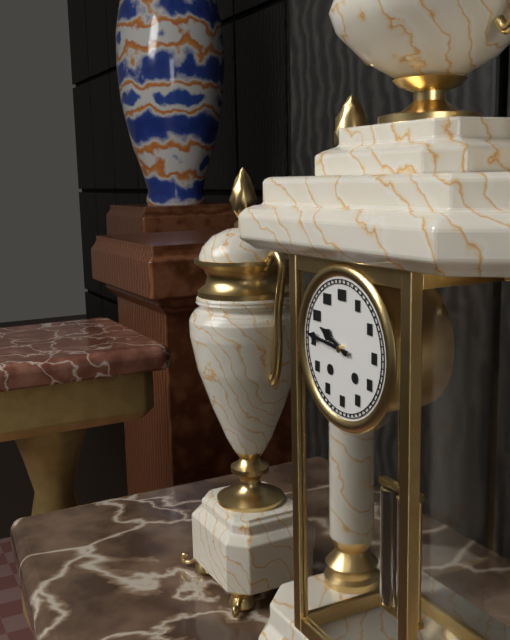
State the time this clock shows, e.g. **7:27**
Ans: **9:46**
